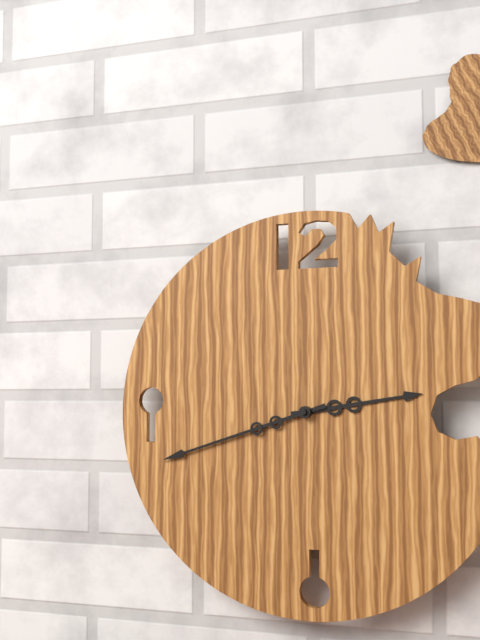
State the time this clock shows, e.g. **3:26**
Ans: **2:42**
